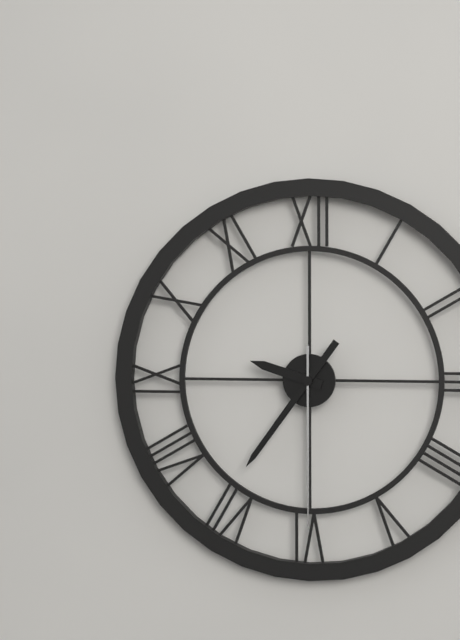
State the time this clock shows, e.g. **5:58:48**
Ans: **9:36:30**
